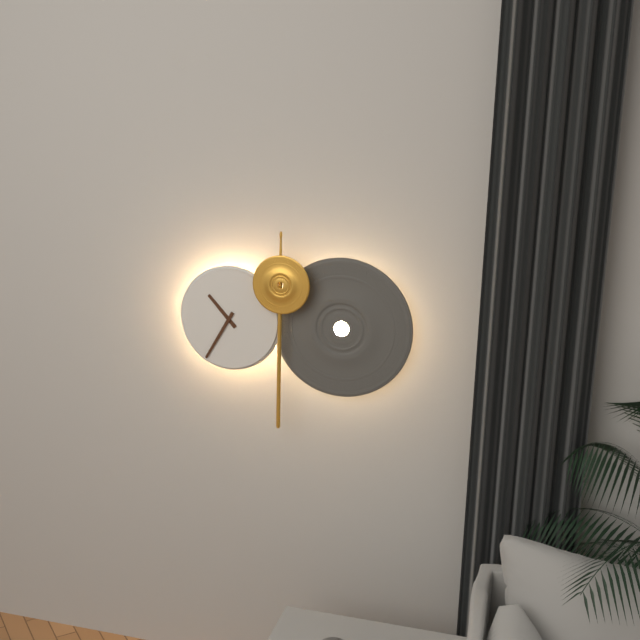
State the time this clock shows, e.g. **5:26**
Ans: **10:35**
